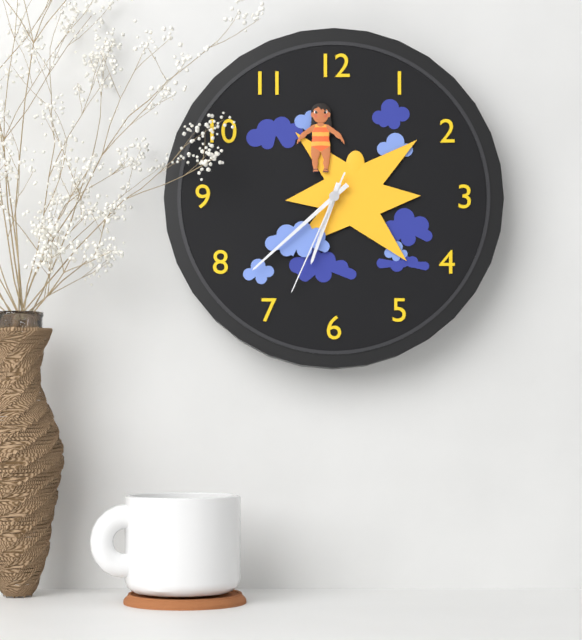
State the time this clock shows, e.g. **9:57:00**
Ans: **6:38:34**
